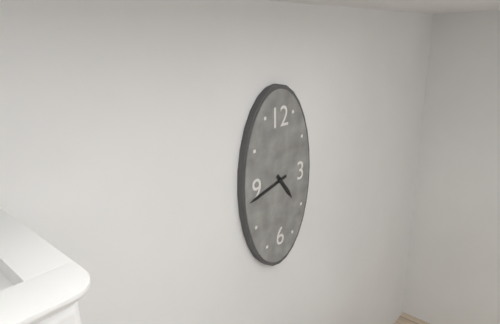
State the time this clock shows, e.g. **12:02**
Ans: **4:43**
